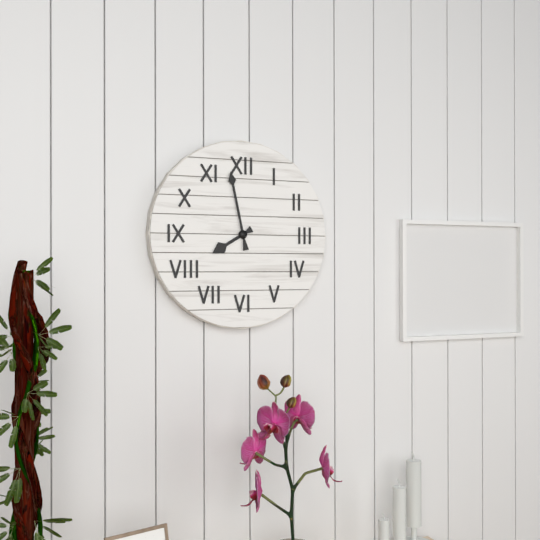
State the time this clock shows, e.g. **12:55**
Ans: **7:58**
